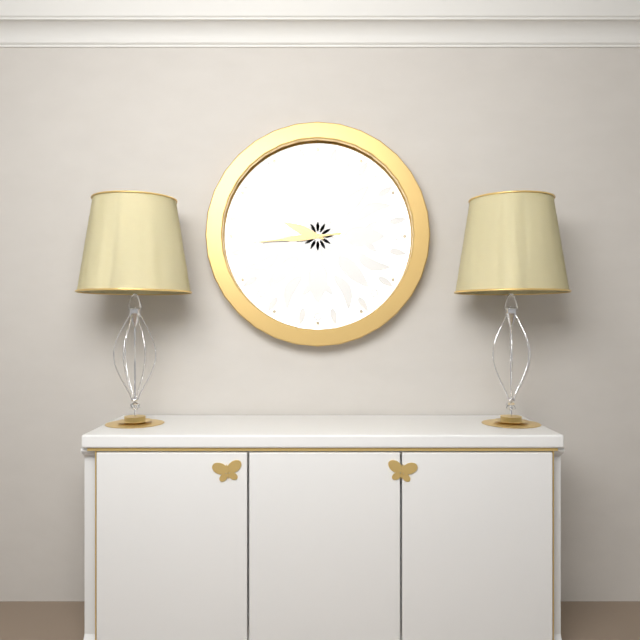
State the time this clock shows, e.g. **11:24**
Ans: **9:44**
